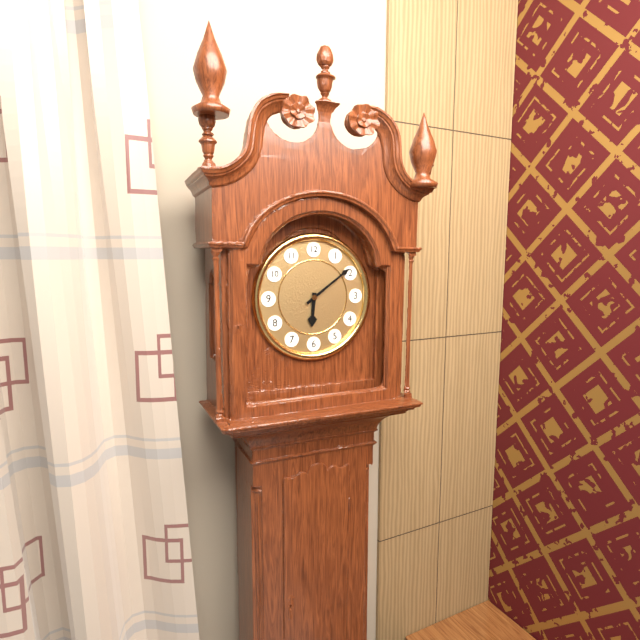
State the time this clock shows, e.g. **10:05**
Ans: **6:09**
